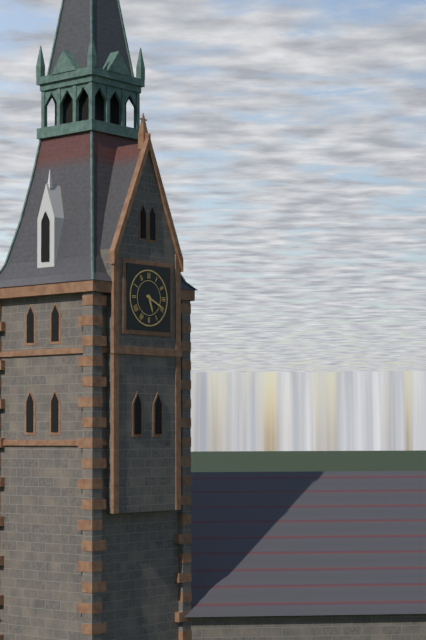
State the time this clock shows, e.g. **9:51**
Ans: **5:19**
